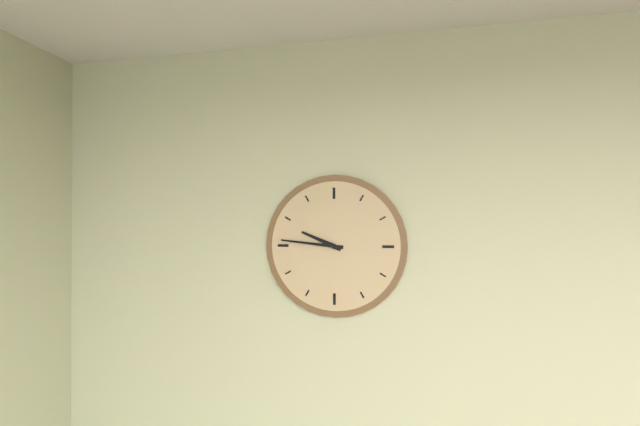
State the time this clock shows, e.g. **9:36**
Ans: **9:46**
